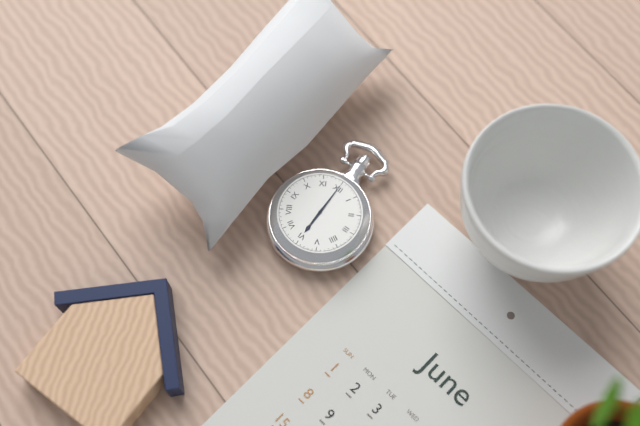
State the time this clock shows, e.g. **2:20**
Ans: **6:00**
